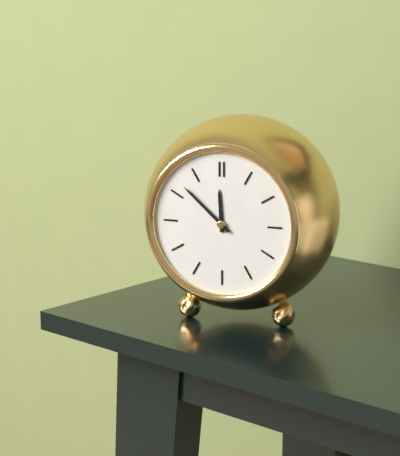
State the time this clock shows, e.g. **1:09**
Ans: **11:52**
